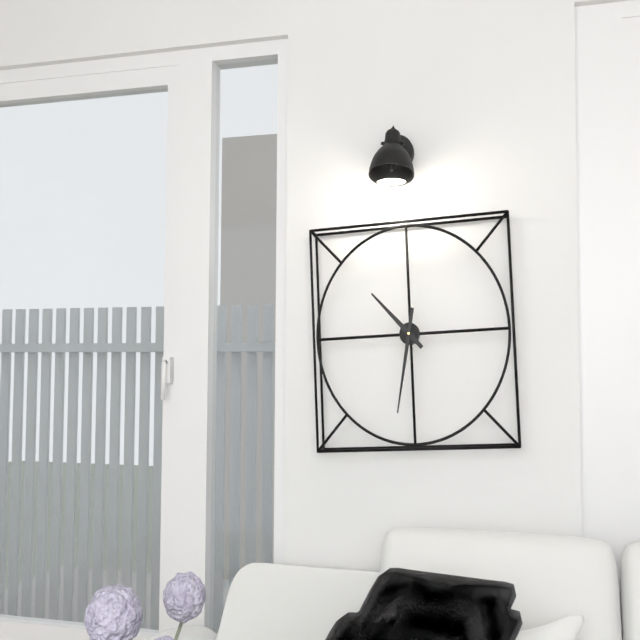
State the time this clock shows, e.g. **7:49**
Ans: **10:32**
